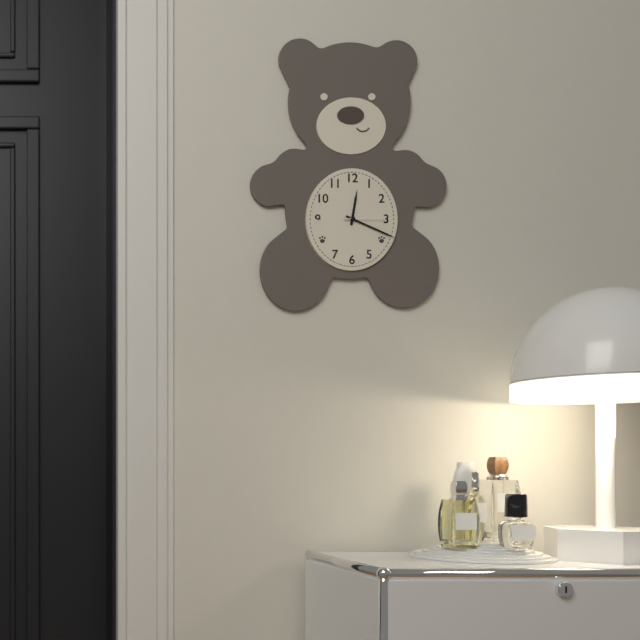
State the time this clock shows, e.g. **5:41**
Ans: **12:19**
